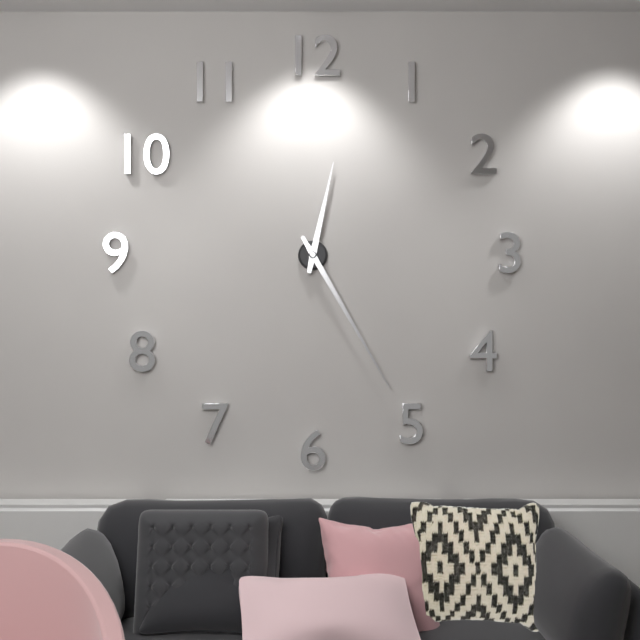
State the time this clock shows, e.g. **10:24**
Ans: **12:25**
